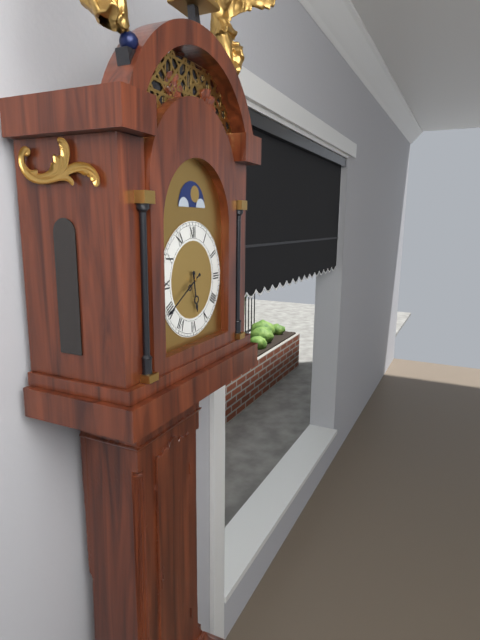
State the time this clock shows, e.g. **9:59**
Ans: **5:40**
